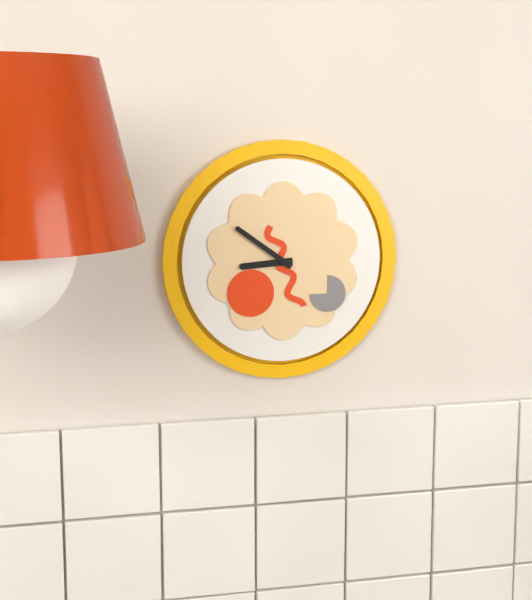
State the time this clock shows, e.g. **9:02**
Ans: **8:51**
